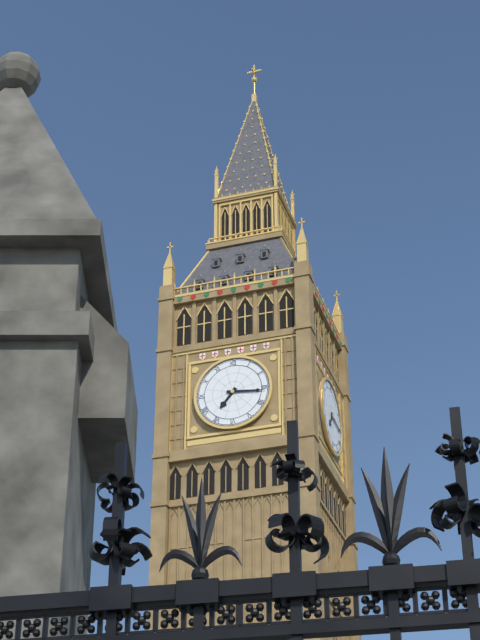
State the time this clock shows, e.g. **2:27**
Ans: **7:16**
